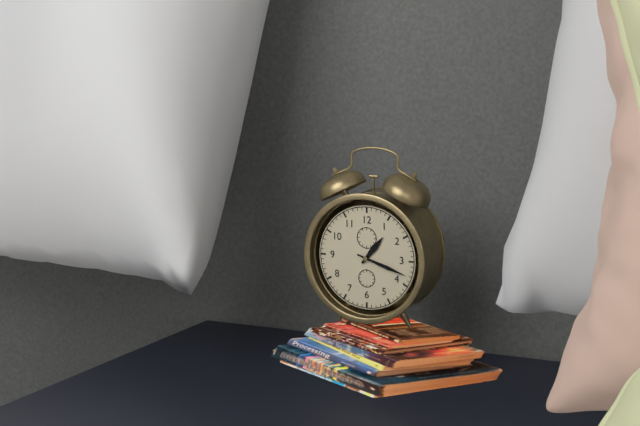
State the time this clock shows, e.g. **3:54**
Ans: **1:18**
